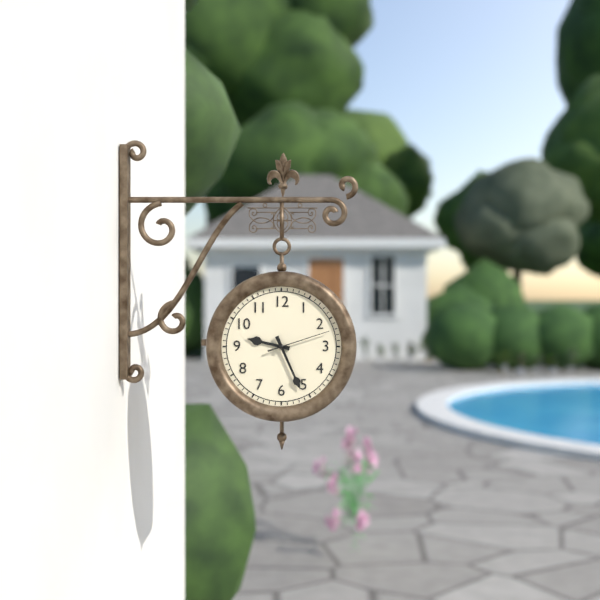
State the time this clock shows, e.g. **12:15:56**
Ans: **9:26:12**
